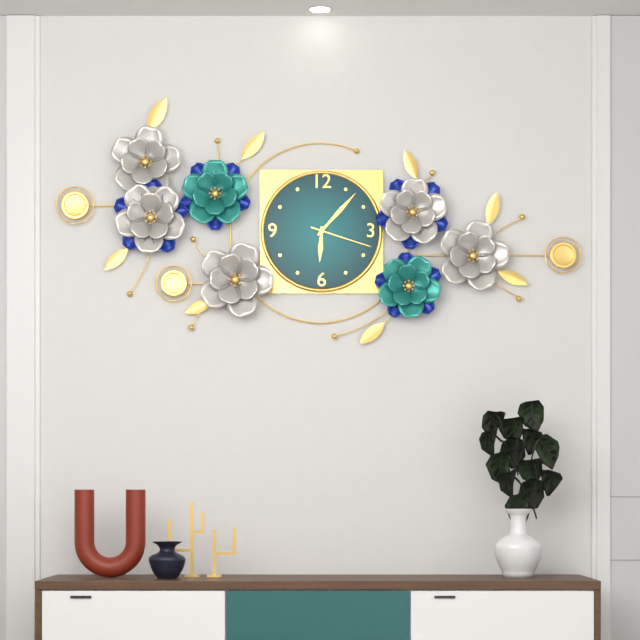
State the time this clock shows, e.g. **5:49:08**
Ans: **6:07:18**
